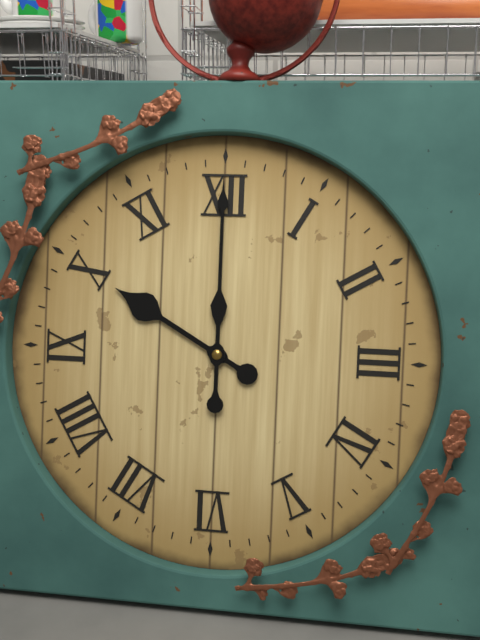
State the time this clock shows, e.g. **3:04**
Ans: **10:00**
